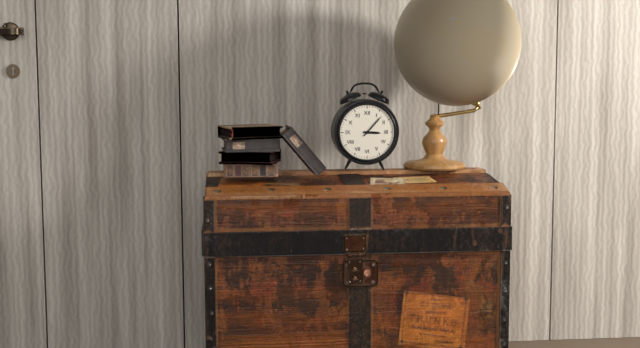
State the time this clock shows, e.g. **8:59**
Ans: **3:07**
